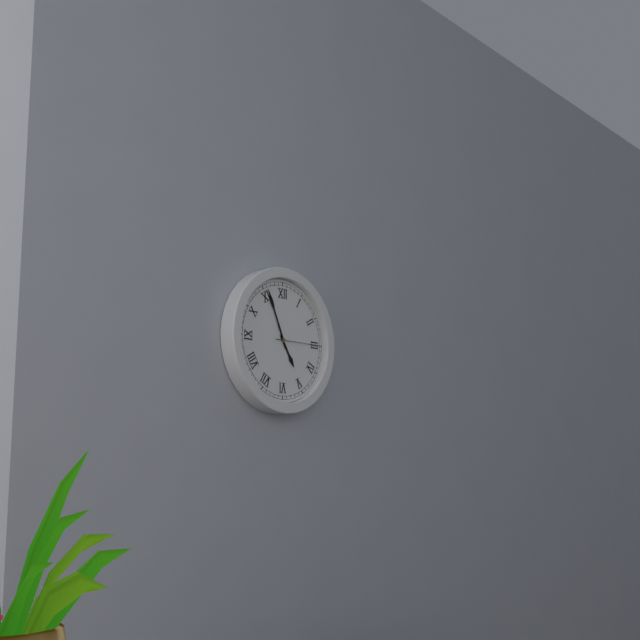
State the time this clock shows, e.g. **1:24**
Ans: **4:56**
